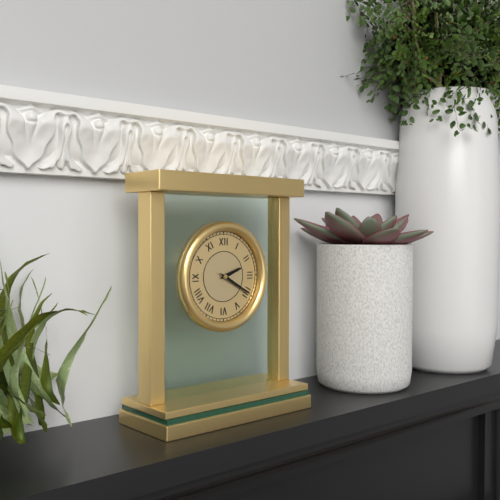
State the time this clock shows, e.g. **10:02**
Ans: **2:20**
